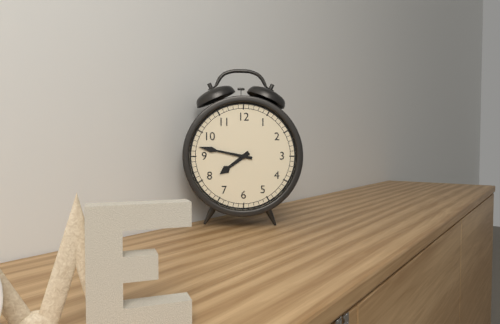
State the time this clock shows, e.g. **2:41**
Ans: **7:47**
